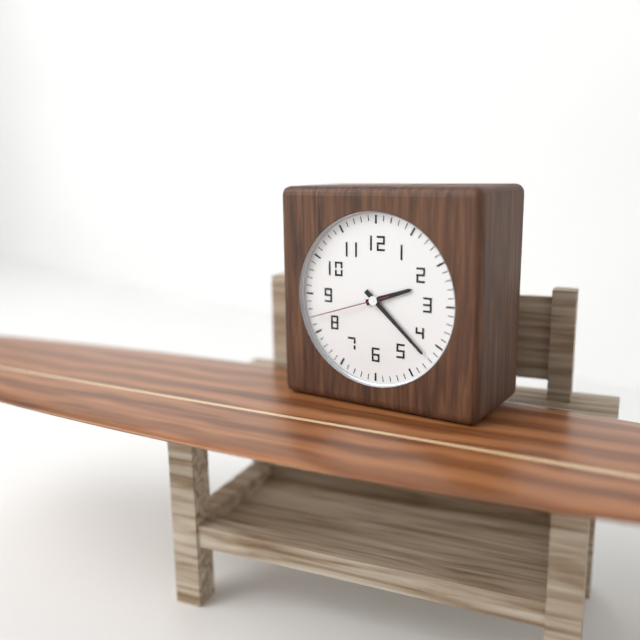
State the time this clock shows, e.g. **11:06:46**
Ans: **2:22:42**
